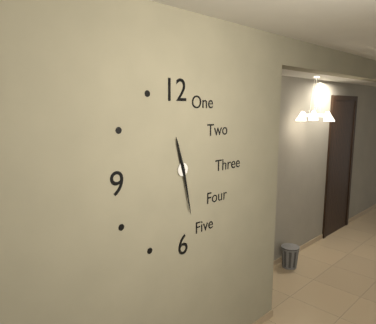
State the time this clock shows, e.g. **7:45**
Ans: **11:28**
